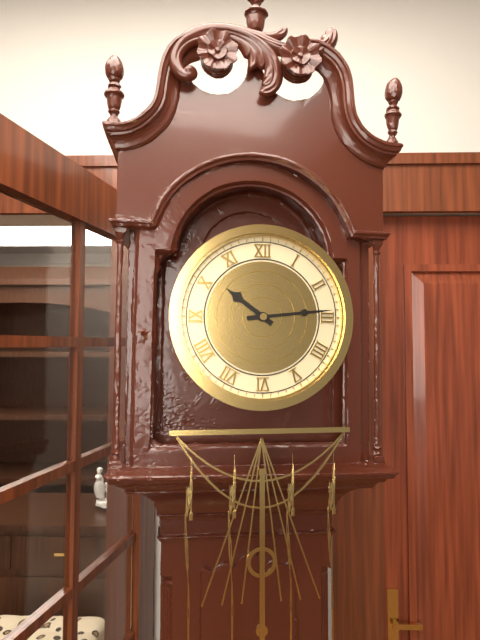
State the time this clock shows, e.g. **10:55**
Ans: **10:14**
